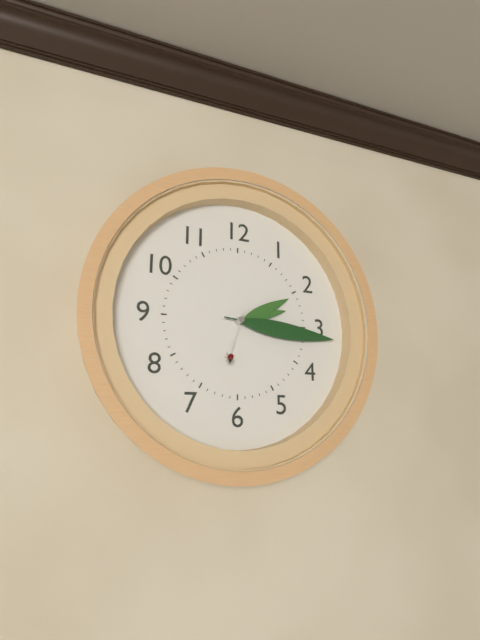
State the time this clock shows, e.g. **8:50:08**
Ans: **2:16:33**
